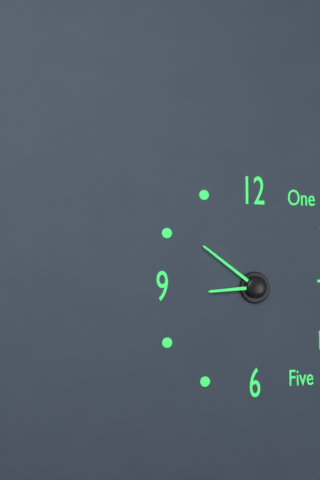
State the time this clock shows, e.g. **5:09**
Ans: **8:51**
